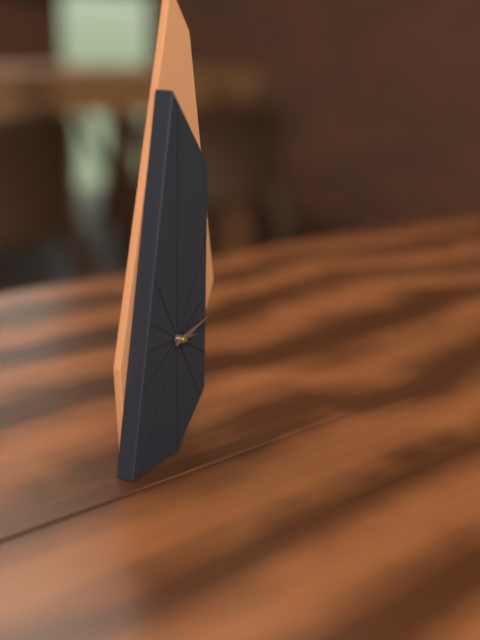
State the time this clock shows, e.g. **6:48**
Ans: **3:13**
